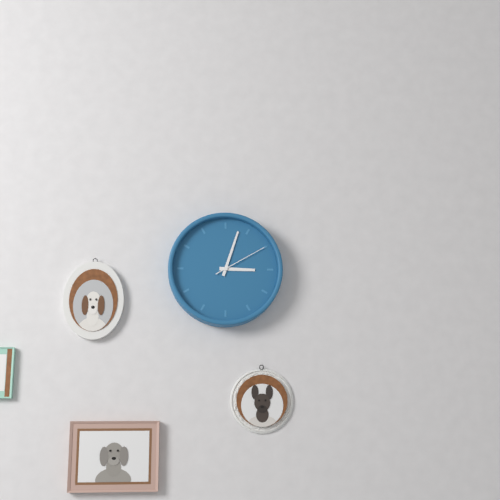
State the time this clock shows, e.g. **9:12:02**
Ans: **3:03:10**
